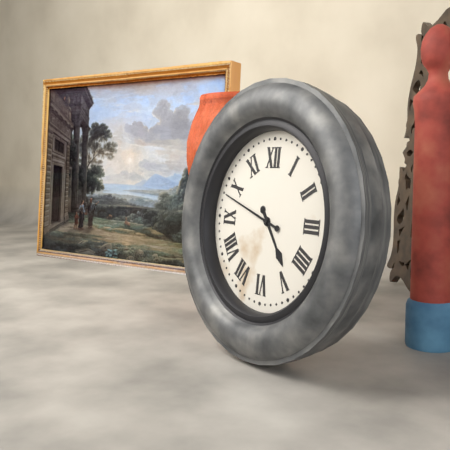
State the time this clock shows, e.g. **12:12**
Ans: **4:48**
